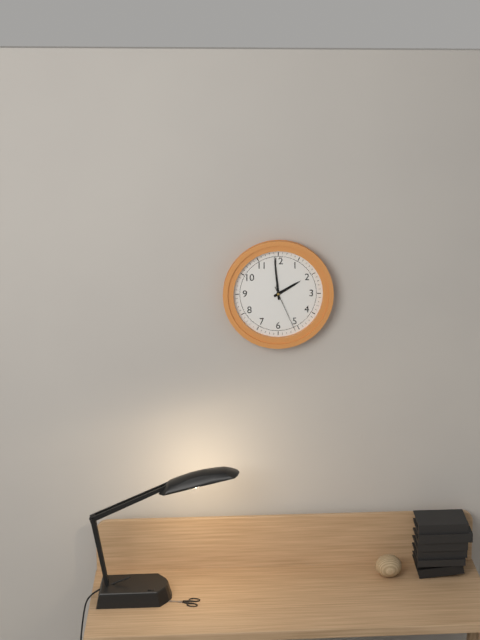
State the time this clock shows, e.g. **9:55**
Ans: **1:59**
